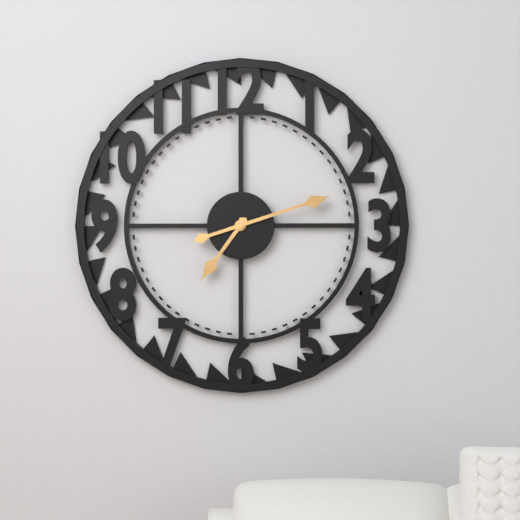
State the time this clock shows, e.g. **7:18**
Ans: **7:12**
